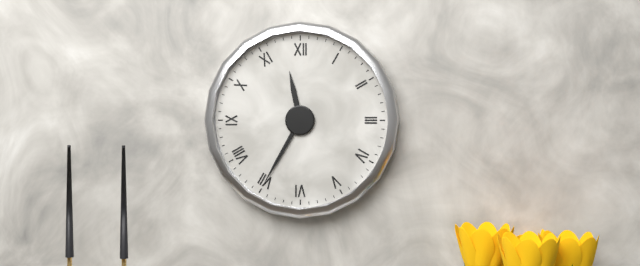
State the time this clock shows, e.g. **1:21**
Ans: **11:35**
